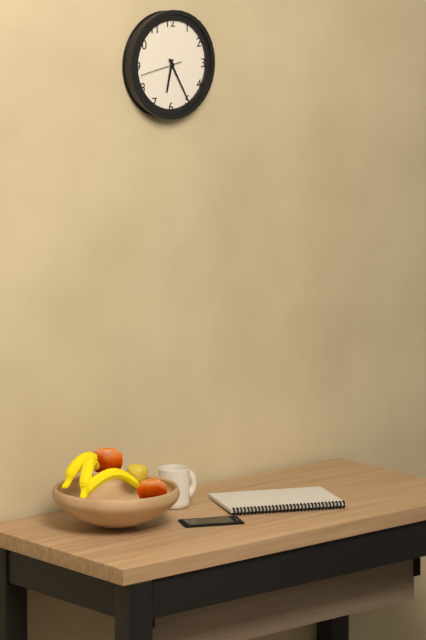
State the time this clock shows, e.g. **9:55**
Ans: **6:25**
